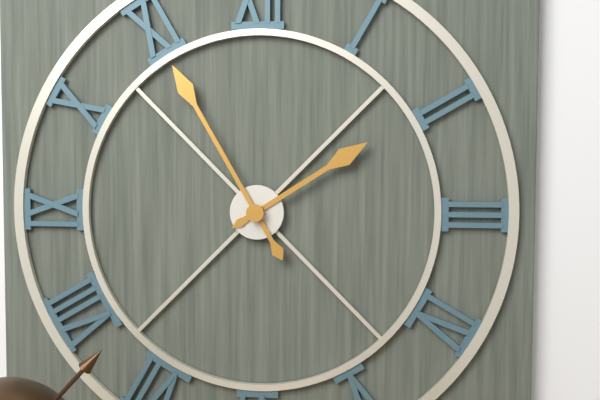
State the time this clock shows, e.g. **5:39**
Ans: **1:55**
